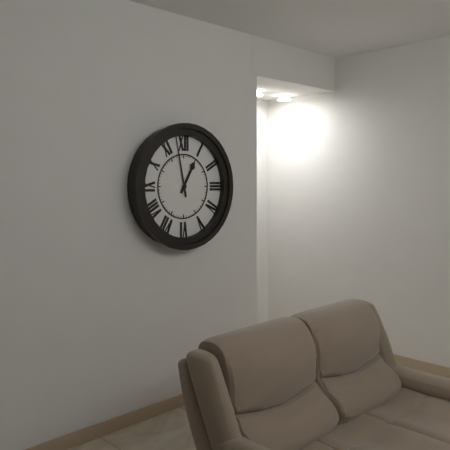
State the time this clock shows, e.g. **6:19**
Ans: **12:58**
